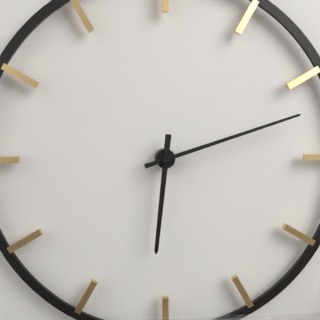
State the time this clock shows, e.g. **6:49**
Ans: **6:12**
